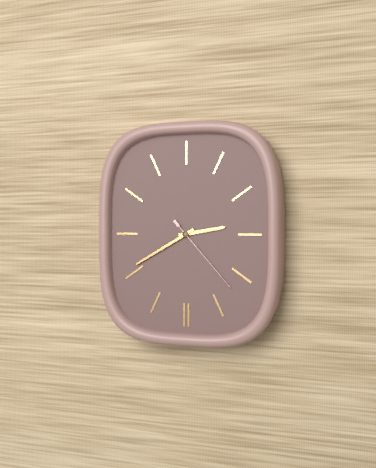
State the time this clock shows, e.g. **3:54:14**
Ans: **2:40:23**
